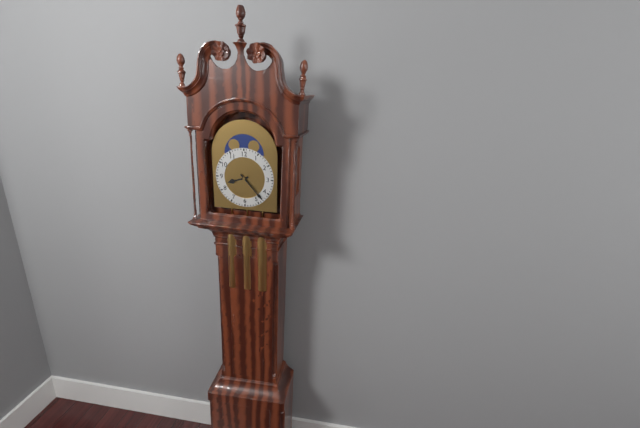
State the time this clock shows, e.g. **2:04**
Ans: **8:23**
